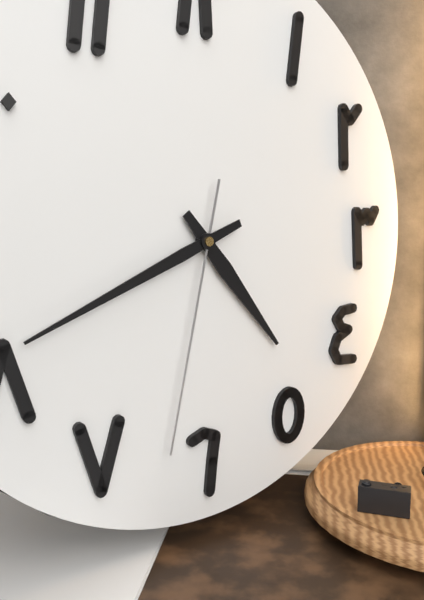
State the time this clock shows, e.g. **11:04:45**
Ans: **4:41:32**
